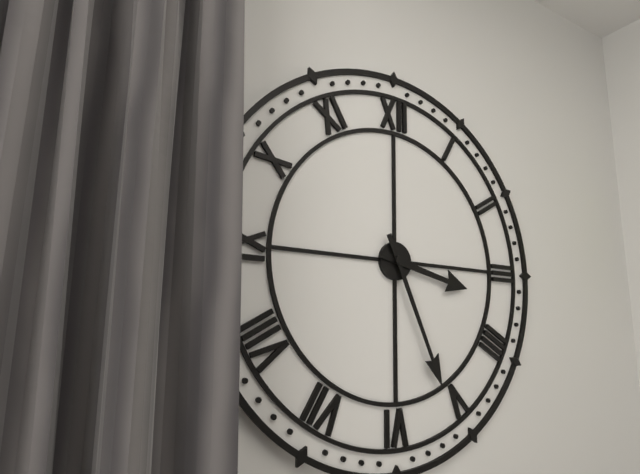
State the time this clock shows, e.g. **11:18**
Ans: **3:26**
